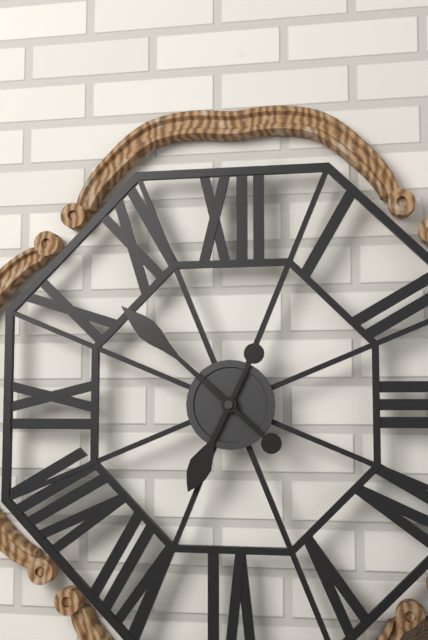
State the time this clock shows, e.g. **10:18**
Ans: **6:52**
